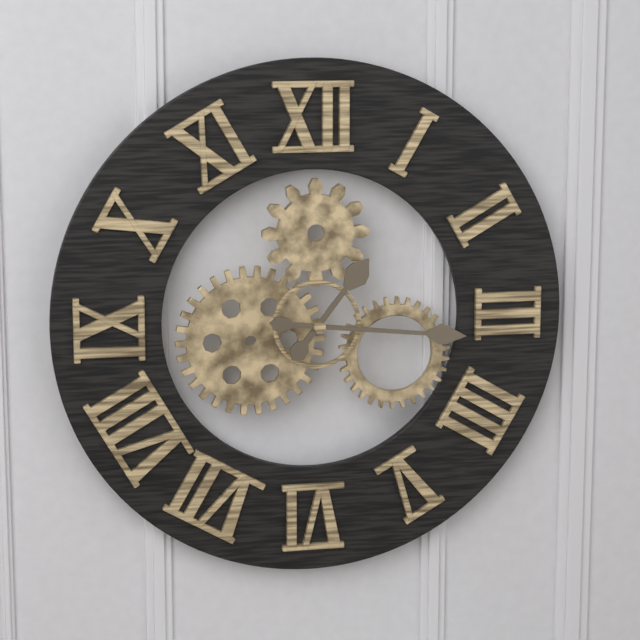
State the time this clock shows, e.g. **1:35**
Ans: **1:16**
